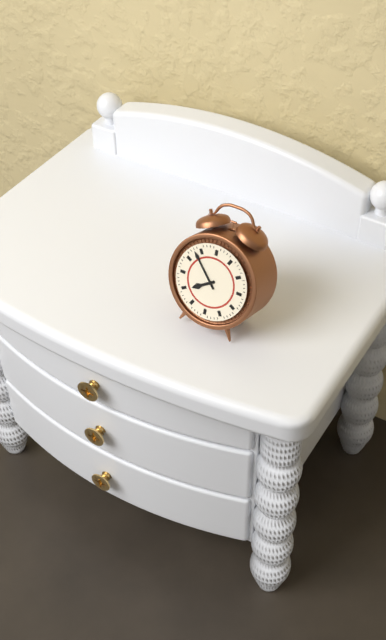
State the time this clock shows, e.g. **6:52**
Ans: **7:53**
